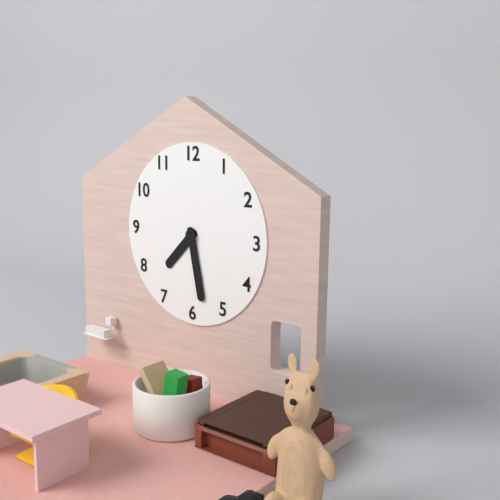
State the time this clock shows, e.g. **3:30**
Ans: **7:28**
